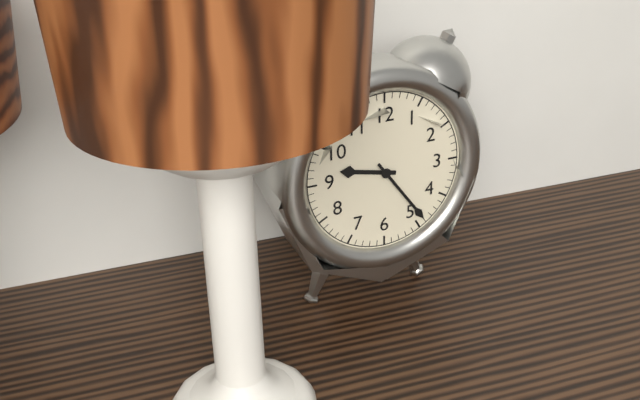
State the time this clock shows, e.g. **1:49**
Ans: **9:24**
